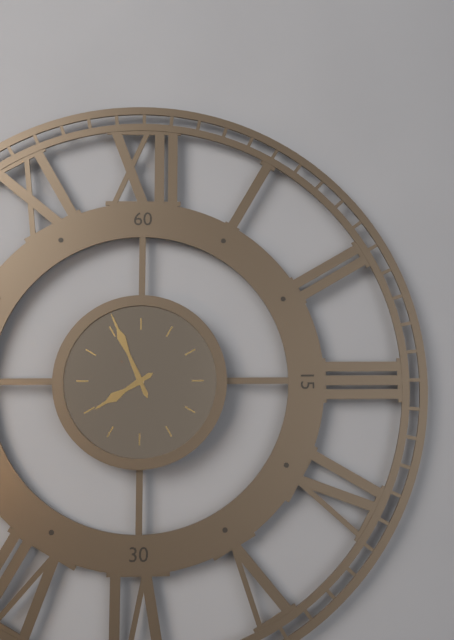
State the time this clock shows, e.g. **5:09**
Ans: **7:56**
